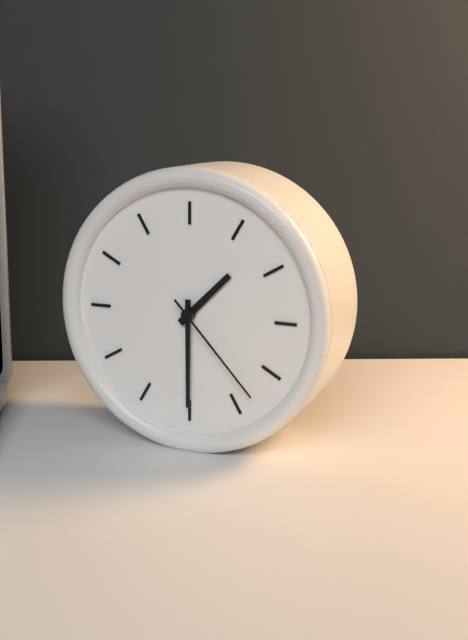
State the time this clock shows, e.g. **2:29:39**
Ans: **1:30:23**
